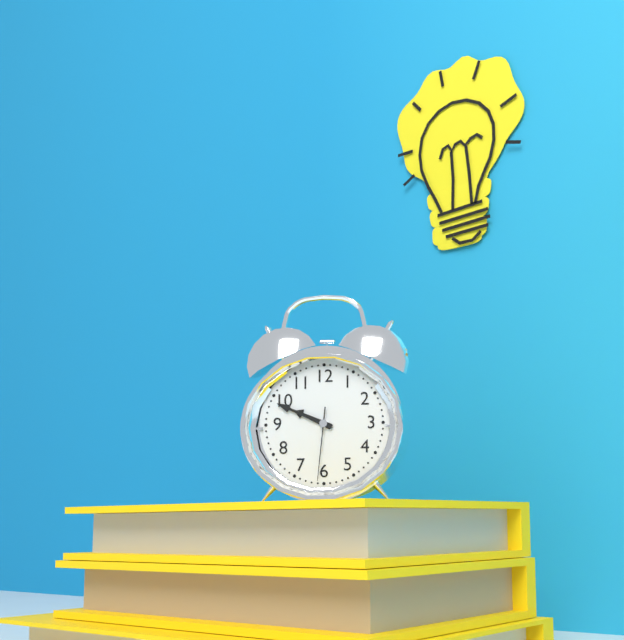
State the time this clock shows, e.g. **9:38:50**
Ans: **9:49:31**
